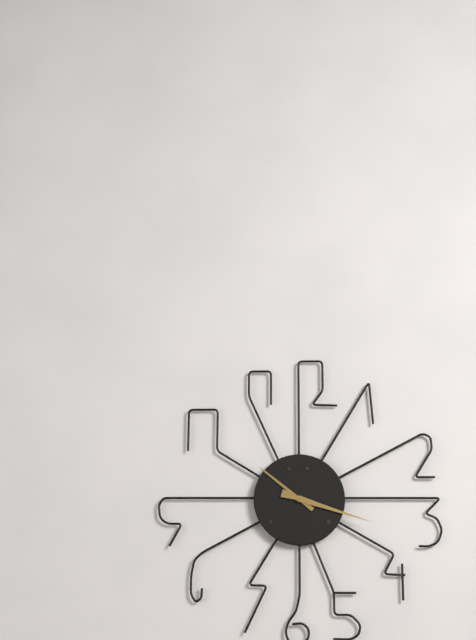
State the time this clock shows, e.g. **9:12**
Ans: **10:18**
